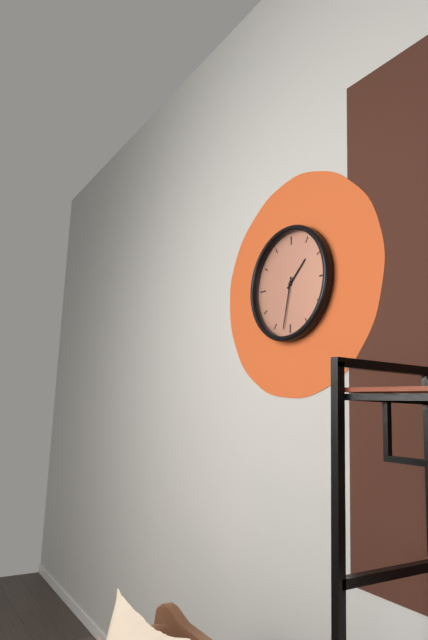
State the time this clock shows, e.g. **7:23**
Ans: **1:32**
